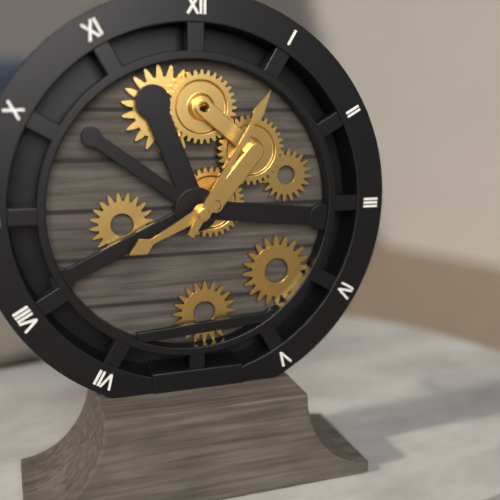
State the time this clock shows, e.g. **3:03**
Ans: **8:05**
